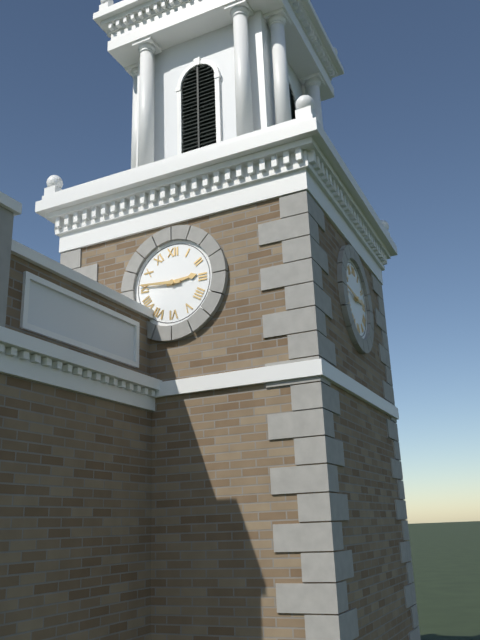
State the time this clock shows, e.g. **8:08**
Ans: **2:46**
